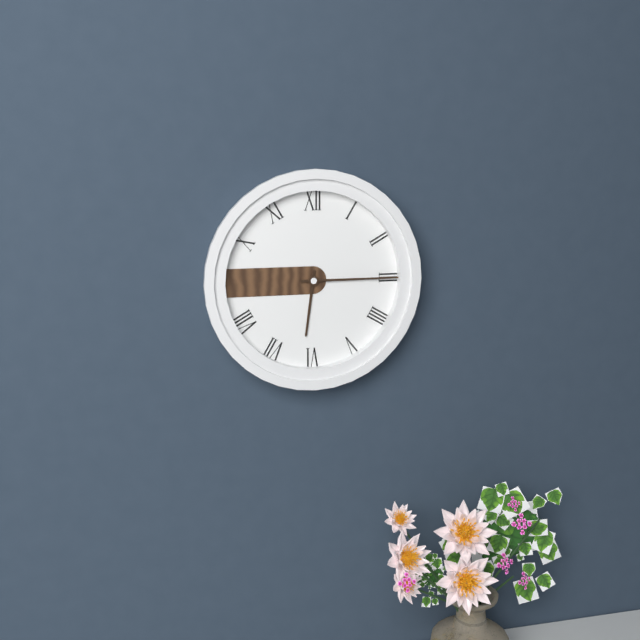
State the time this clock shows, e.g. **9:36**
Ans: **6:15**
